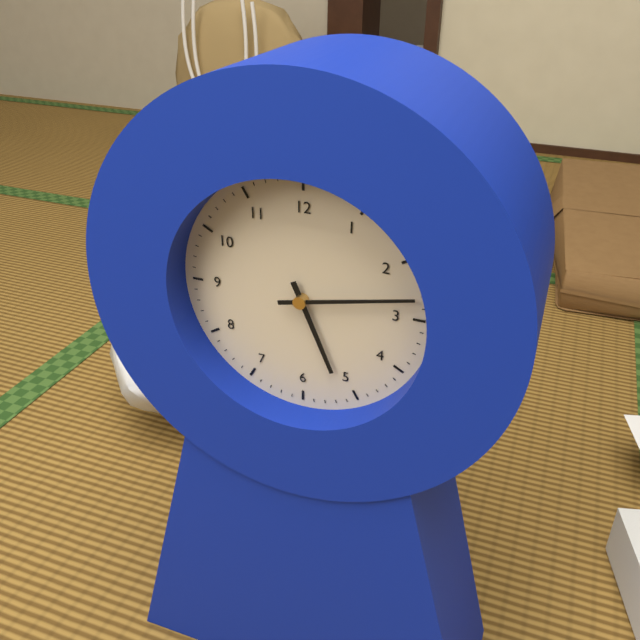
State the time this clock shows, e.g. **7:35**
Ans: **5:13**
